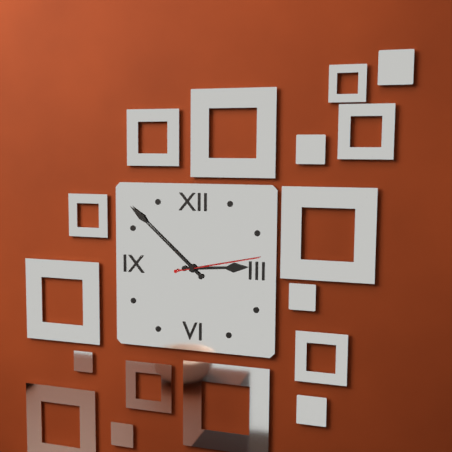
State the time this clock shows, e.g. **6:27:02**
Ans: **2:52:13**
